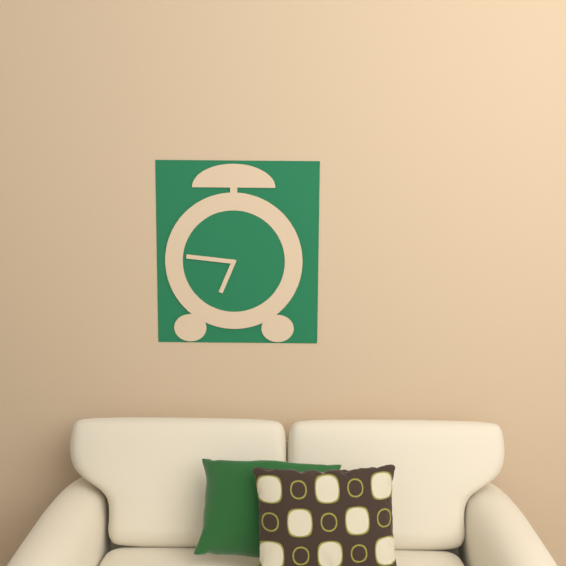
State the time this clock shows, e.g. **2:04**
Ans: **6:46**
